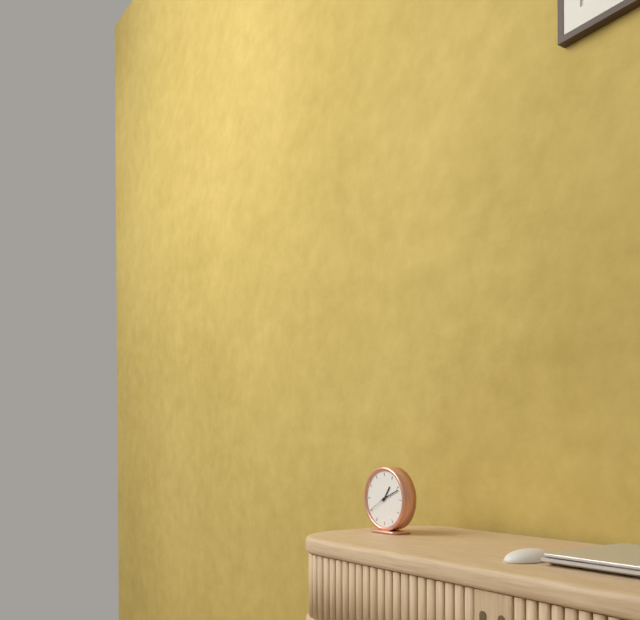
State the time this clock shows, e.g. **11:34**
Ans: **1:11**
